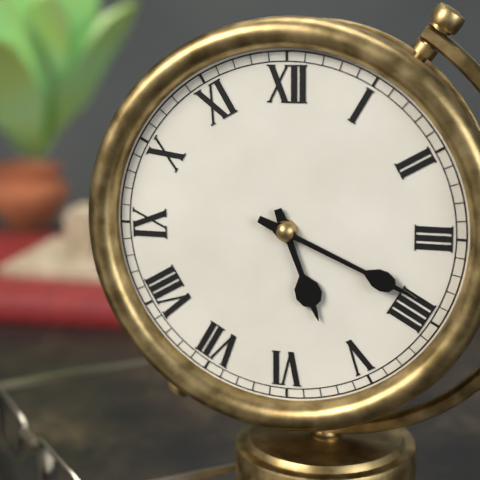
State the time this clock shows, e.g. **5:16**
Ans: **5:19**
